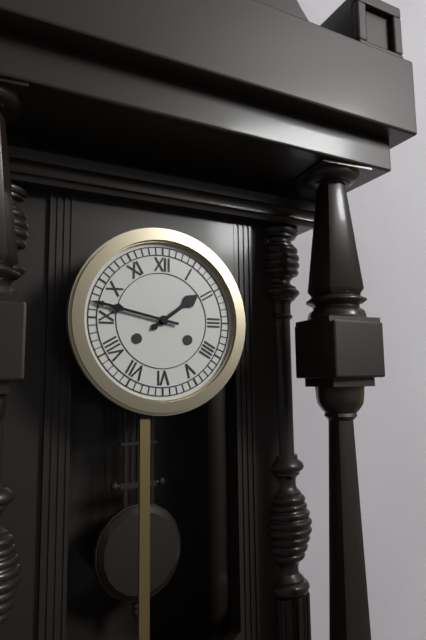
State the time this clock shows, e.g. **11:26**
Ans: **1:47**
